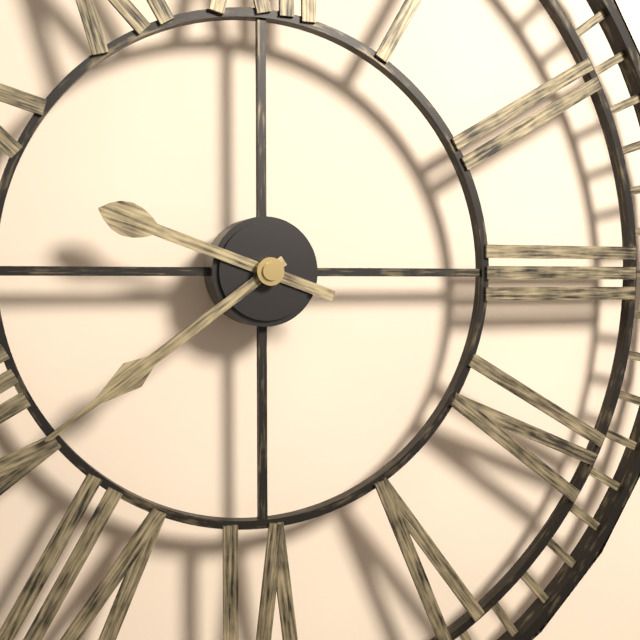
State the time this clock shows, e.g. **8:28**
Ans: **9:39**
